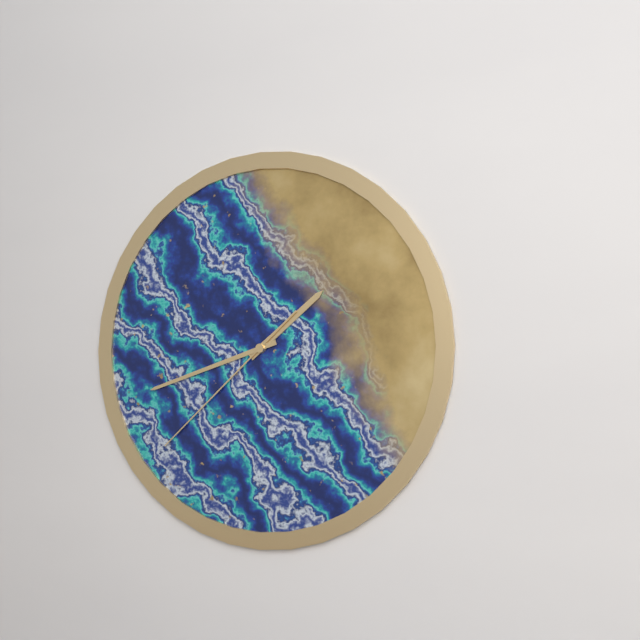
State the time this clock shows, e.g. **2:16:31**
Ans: **1:42:38**
